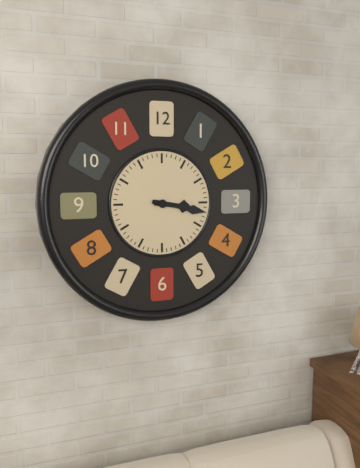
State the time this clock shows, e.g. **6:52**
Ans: **3:17**
